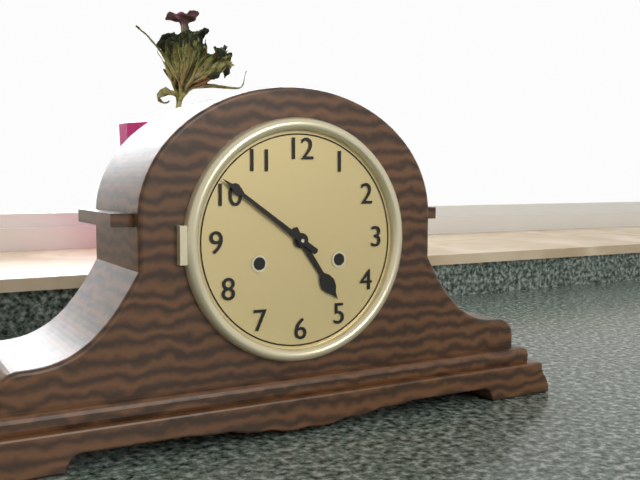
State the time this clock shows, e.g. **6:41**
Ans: **4:51**
